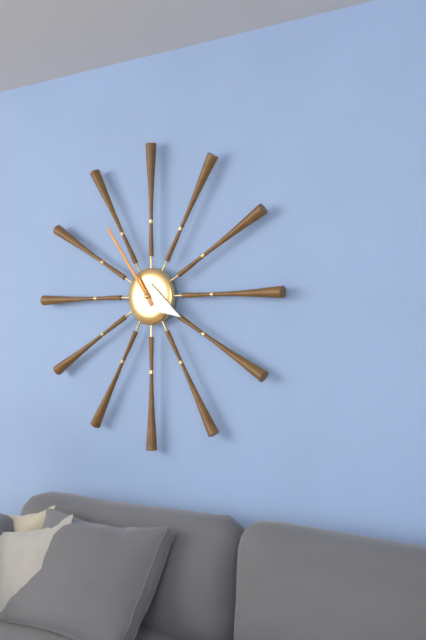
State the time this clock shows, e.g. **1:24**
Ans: **3:54**
